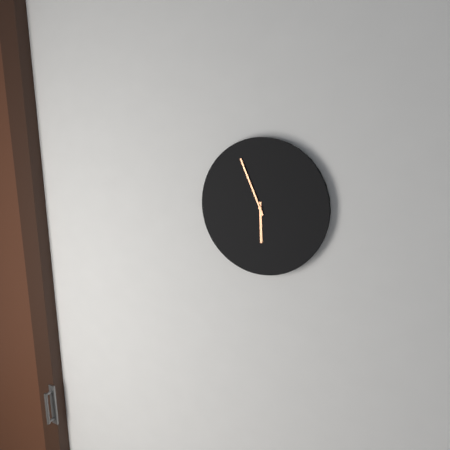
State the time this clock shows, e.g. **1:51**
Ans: **5:56**
